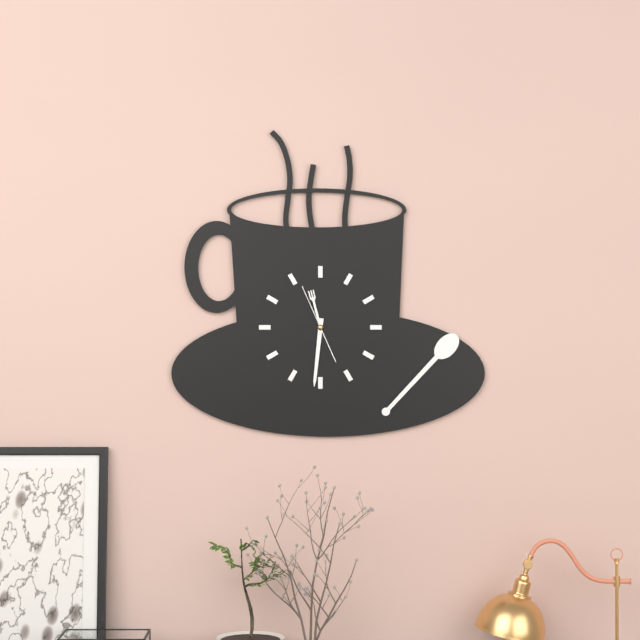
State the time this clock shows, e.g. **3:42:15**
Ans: **11:31:56**
